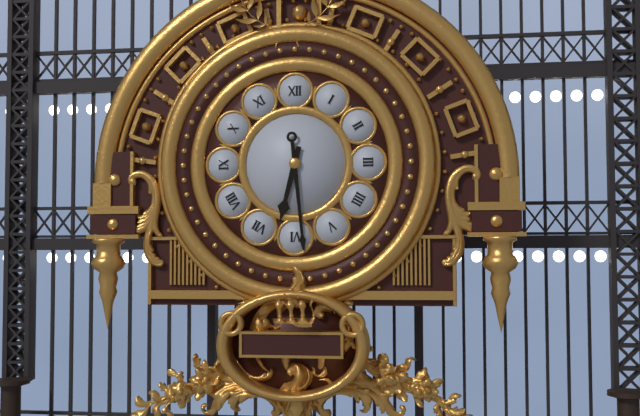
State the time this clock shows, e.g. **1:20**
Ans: **6:29**
